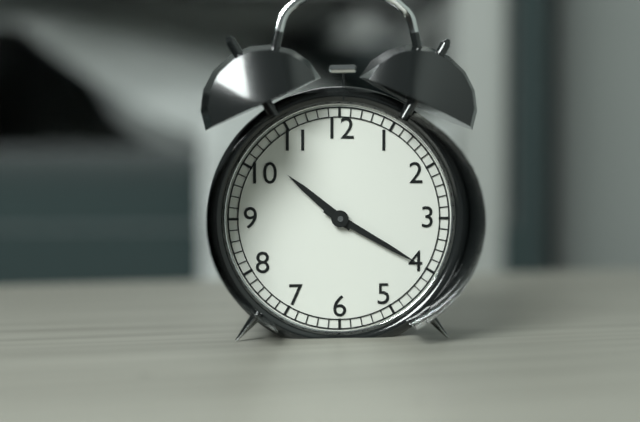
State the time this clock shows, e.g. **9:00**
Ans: **10:20**
